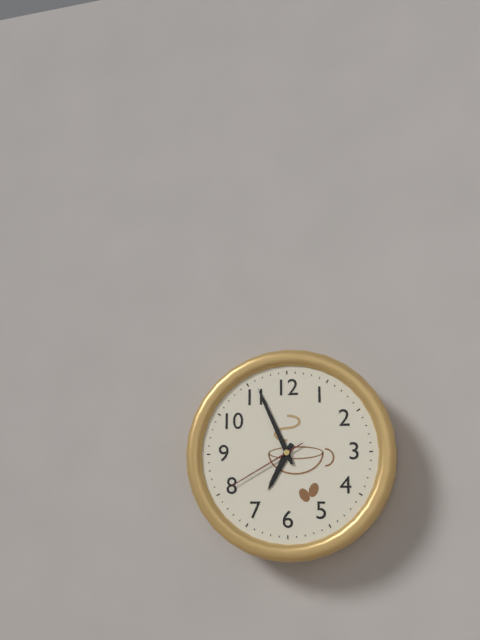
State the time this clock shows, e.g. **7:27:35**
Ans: **6:56:40**
